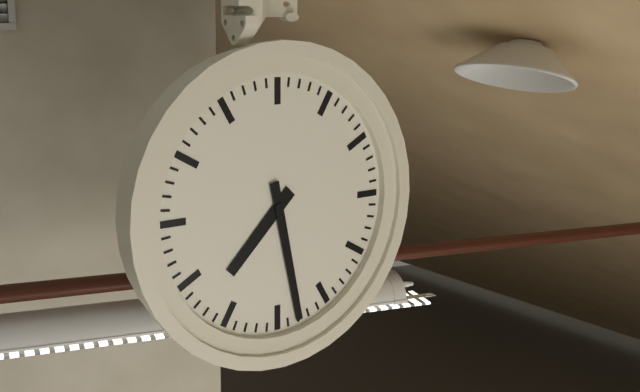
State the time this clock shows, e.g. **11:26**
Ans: **7:28**
